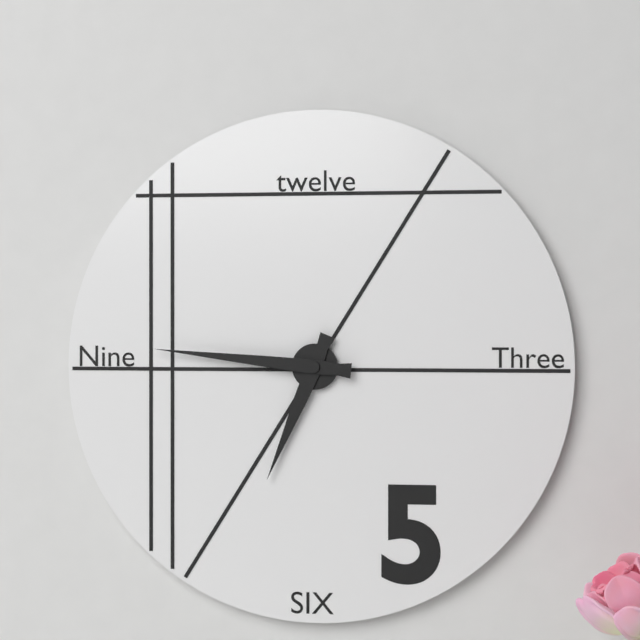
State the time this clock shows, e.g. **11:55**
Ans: **6:46**
